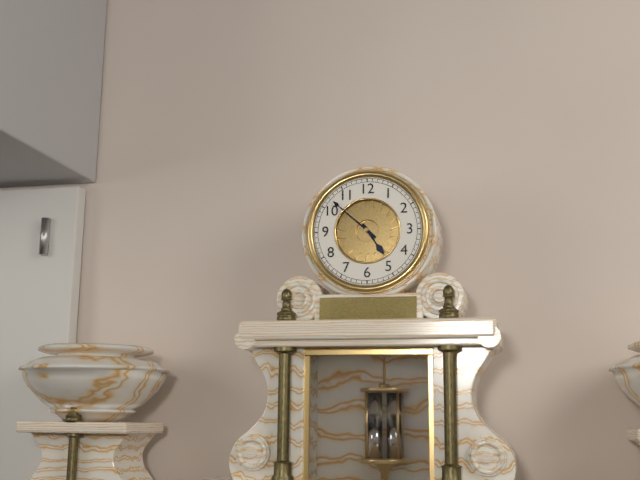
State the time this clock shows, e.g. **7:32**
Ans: **4:52**
